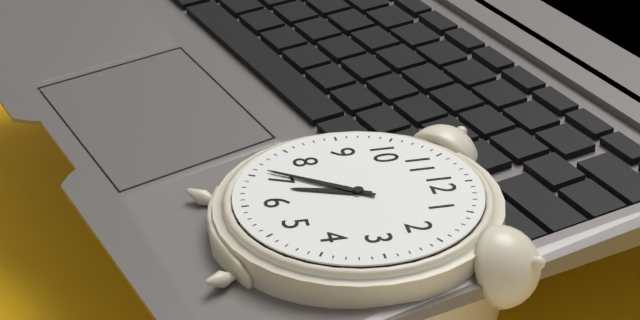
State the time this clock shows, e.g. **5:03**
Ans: **6:36**
